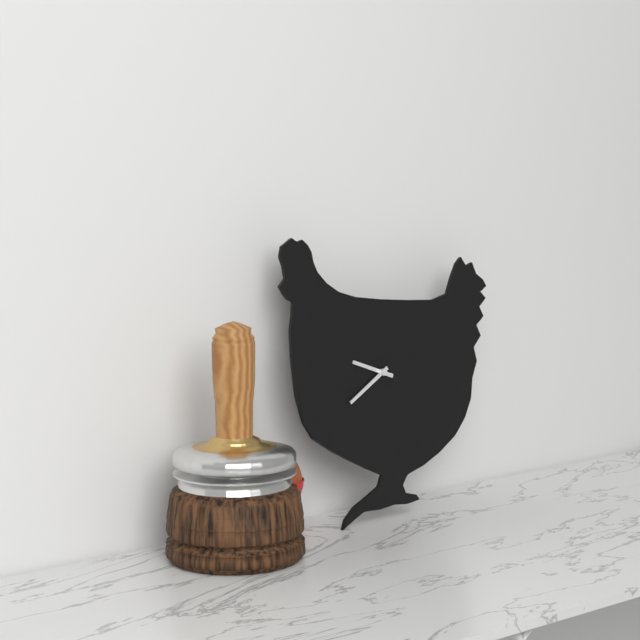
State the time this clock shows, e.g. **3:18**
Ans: **9:40**
